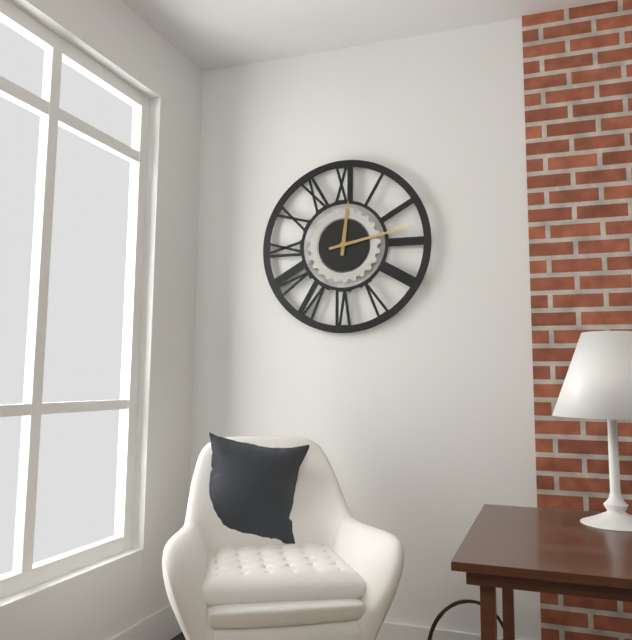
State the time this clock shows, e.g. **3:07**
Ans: **12:13**
